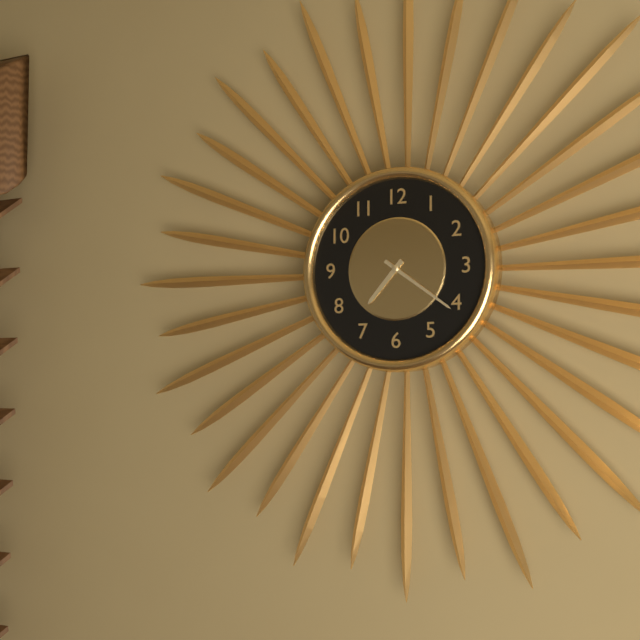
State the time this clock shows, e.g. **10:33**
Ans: **7:21**
